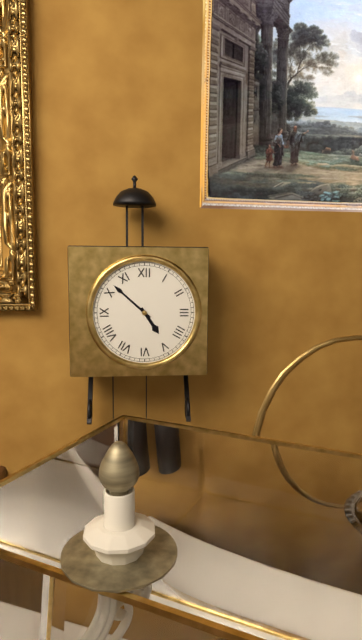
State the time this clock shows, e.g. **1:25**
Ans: **4:52**
